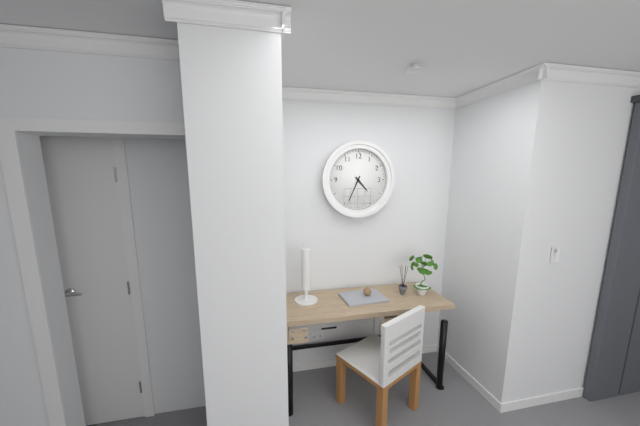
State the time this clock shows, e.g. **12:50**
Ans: **4:34**
